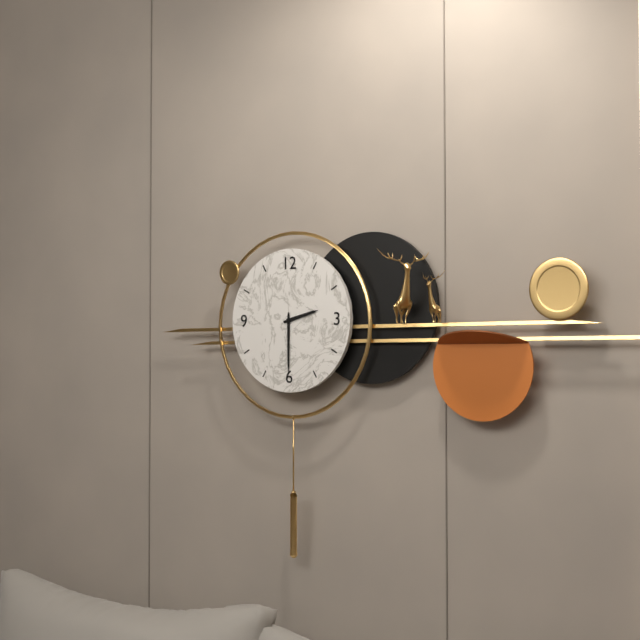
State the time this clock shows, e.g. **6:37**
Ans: **2:30**
